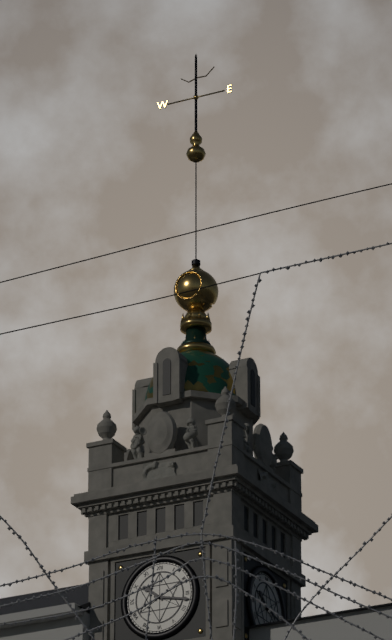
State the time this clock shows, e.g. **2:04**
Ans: **10:17**
